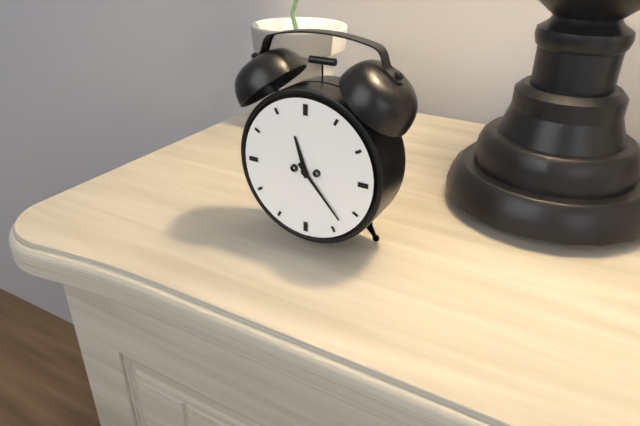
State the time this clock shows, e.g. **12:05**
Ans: **11:23**
